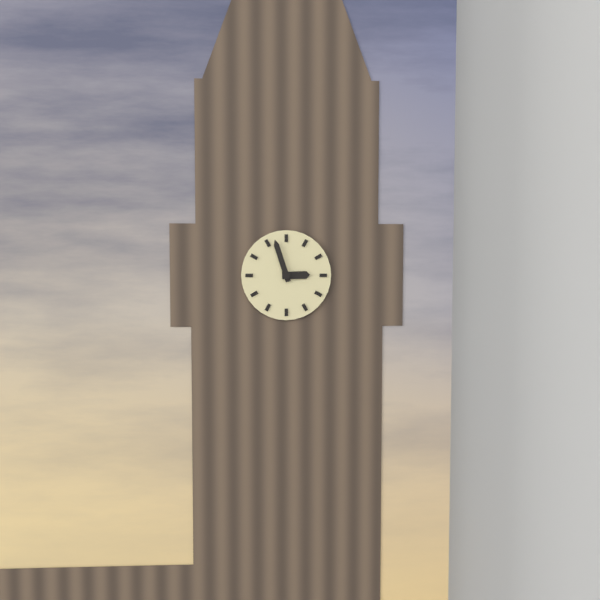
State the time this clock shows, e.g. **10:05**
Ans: **2:57**
